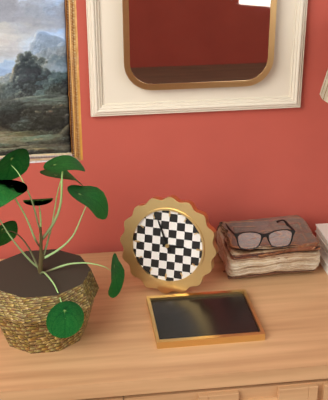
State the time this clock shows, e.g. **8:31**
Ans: **2:56**
